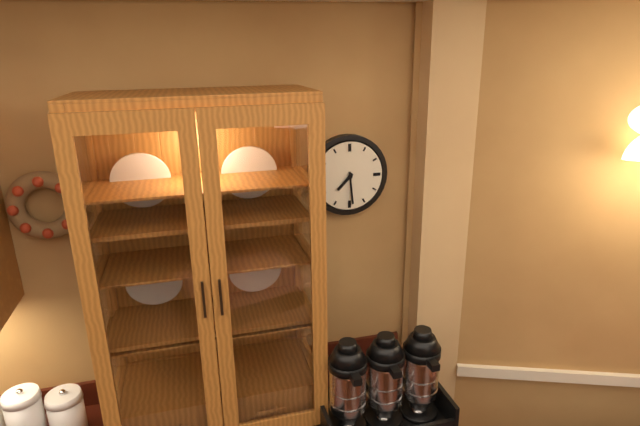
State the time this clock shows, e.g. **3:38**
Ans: **7:29**
